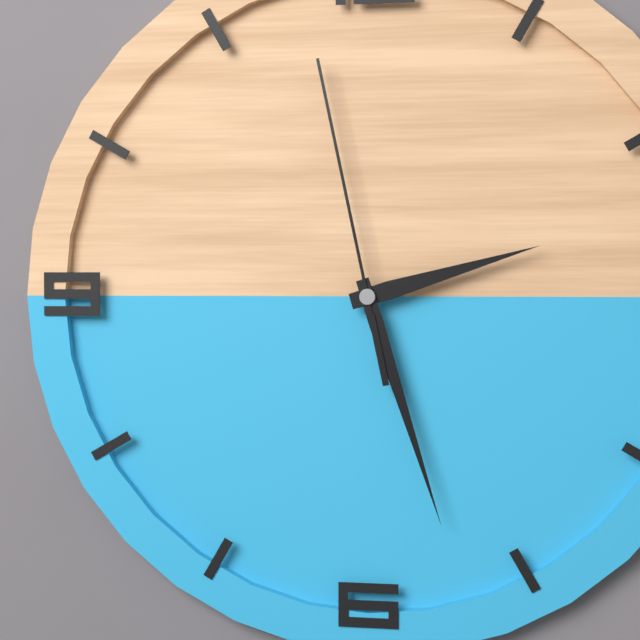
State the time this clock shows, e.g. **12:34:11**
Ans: **2:27:58**
